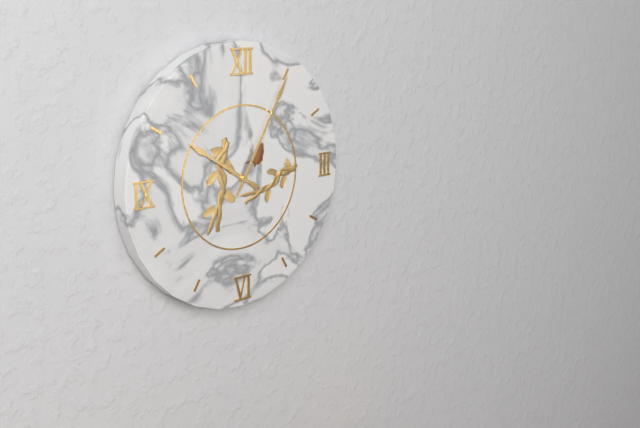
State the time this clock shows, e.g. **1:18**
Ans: **10:05**
